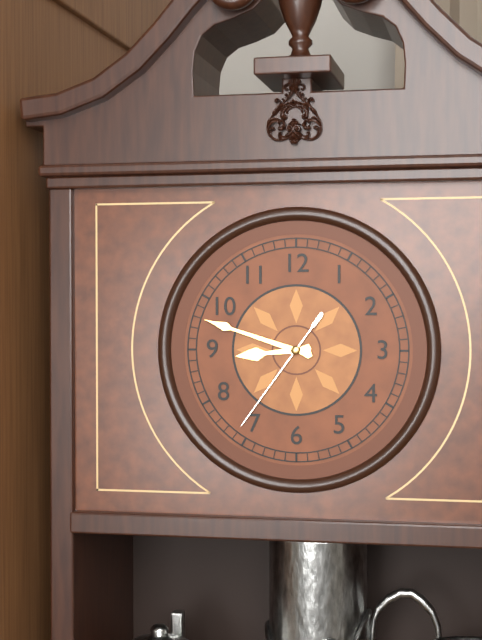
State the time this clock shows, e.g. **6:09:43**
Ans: **8:48:36**
